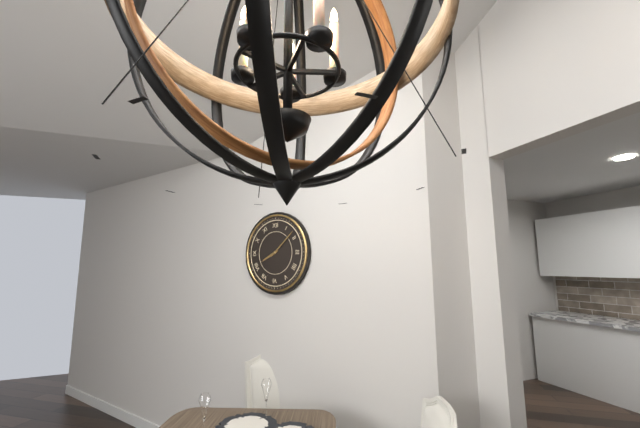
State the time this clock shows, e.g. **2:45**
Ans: **8:08**
